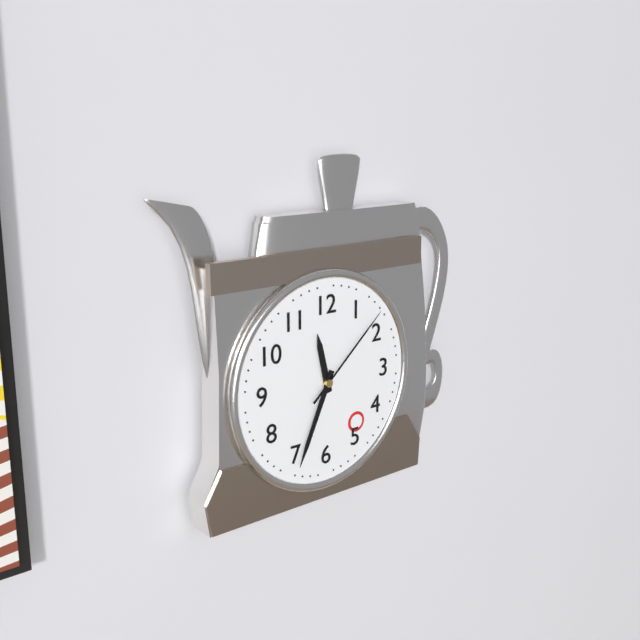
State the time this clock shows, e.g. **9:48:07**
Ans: **11:34:08**
